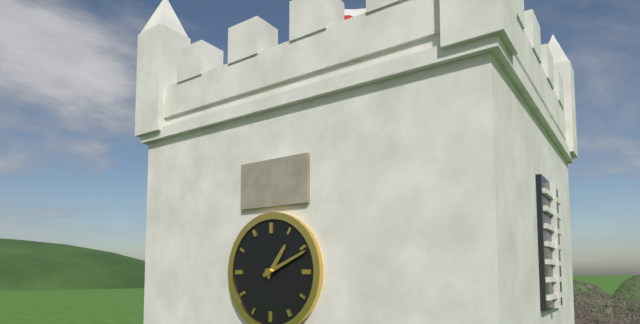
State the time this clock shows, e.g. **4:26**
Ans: **1:11**
